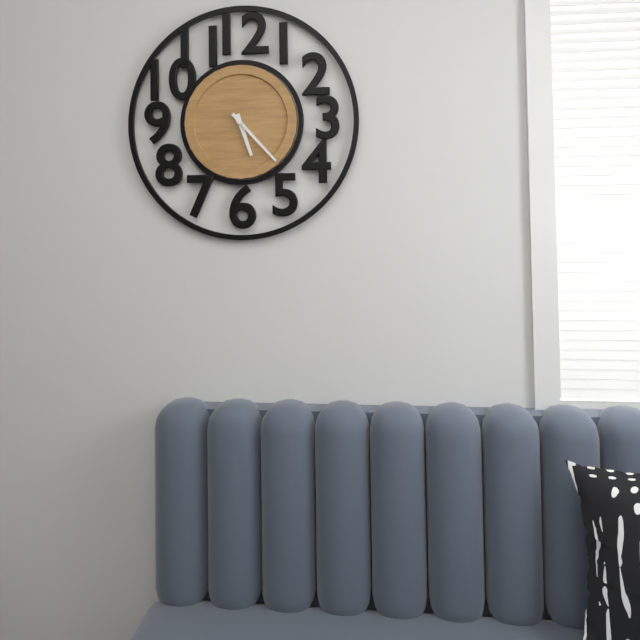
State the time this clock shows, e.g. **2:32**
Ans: **5:23**
